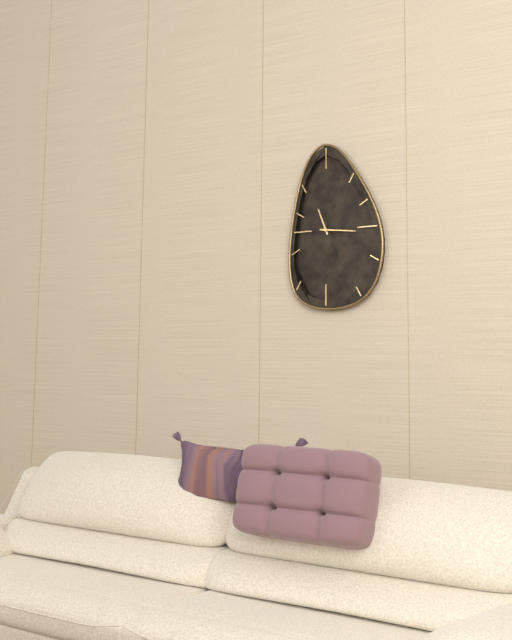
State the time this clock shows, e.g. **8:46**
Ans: **11:16**
